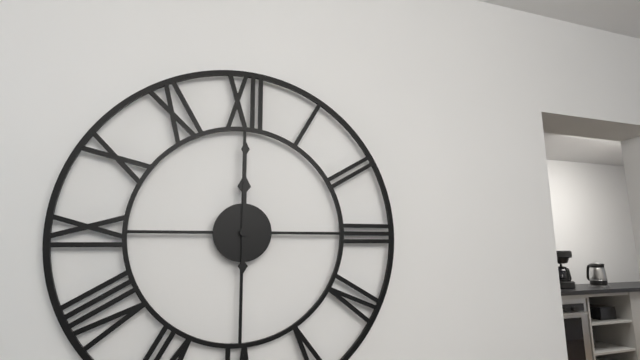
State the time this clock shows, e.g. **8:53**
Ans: **12:00**
